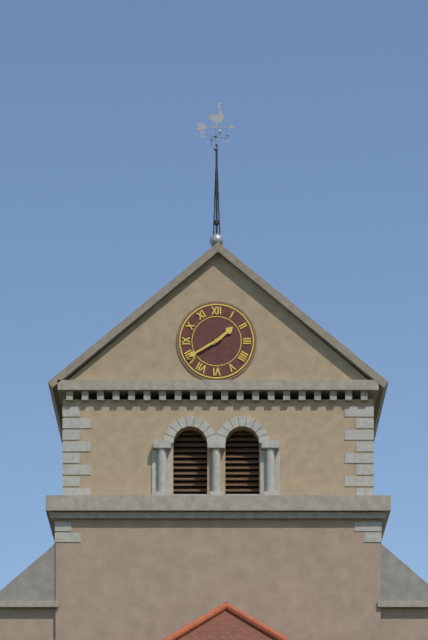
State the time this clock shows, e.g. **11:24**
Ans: **1:40**
